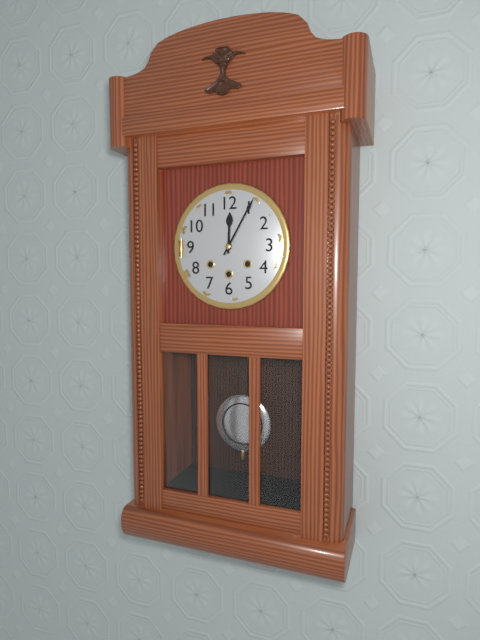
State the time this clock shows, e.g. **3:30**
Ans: **12:05**
